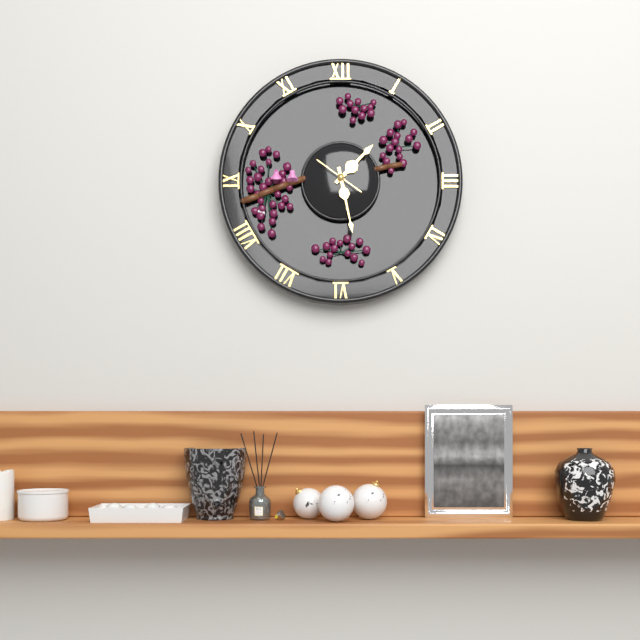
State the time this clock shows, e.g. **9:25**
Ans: **1:28**
